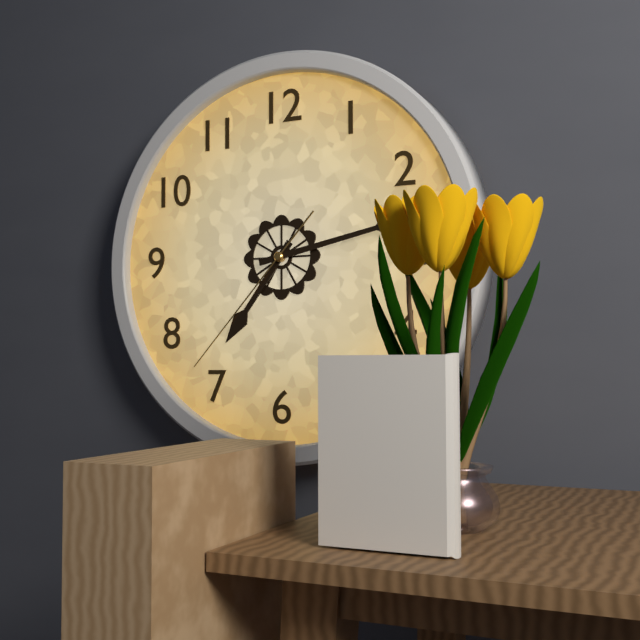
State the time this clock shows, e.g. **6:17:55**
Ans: **7:13:37**
